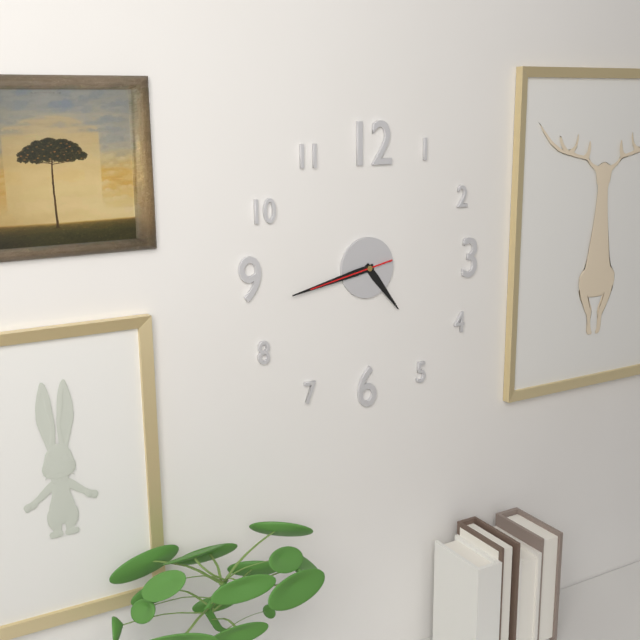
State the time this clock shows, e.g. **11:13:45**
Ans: **4:43:43**
